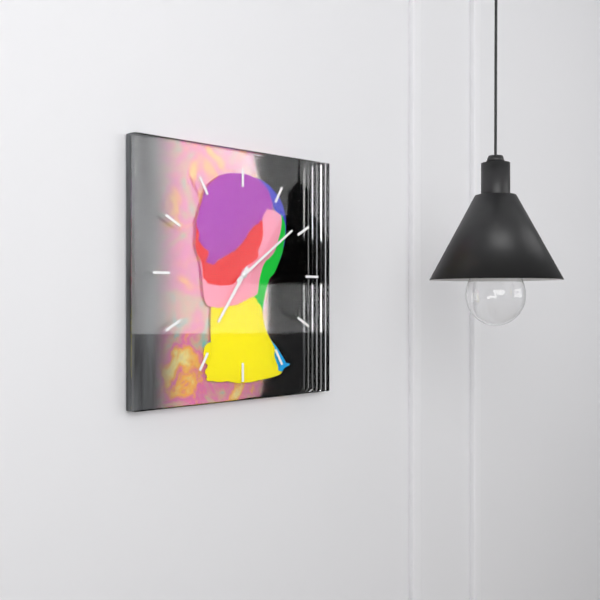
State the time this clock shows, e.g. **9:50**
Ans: **7:09**
